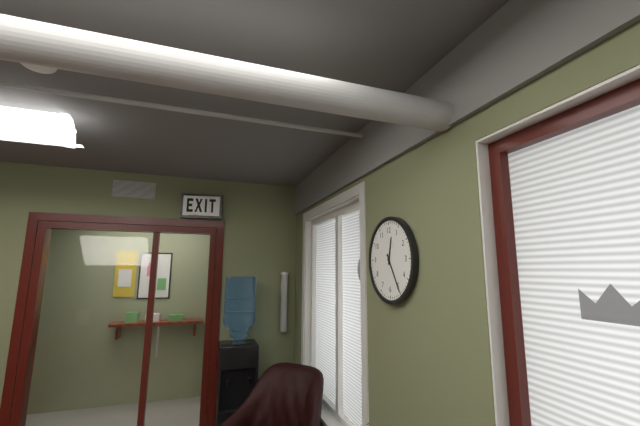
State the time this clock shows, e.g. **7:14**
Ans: **12:25**
